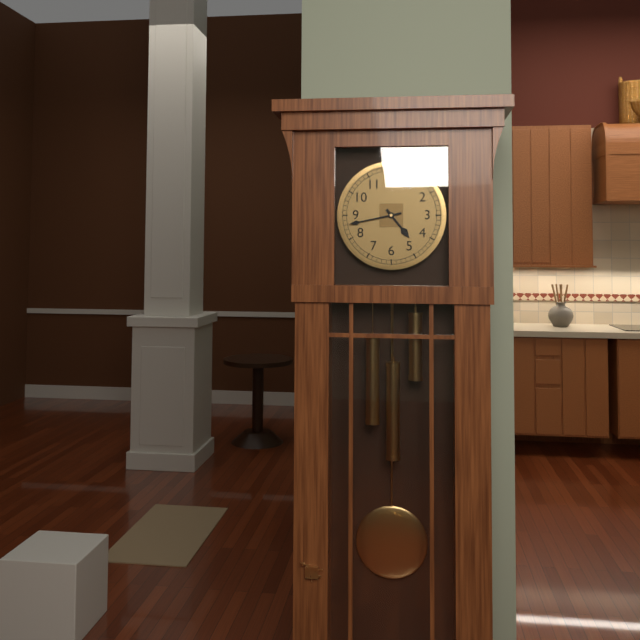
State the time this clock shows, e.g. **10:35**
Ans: **4:43**
